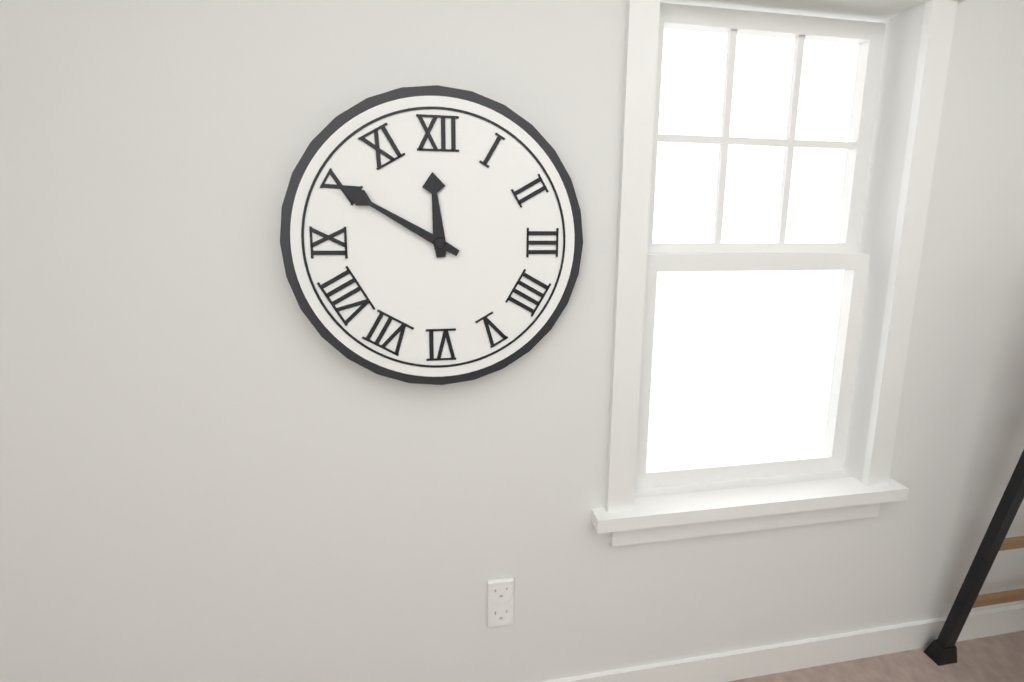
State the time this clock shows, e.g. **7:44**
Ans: **11:50**
